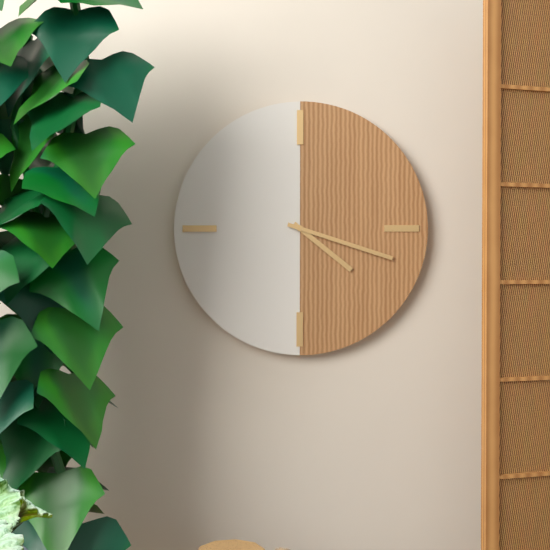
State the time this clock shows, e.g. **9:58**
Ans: **4:18**
